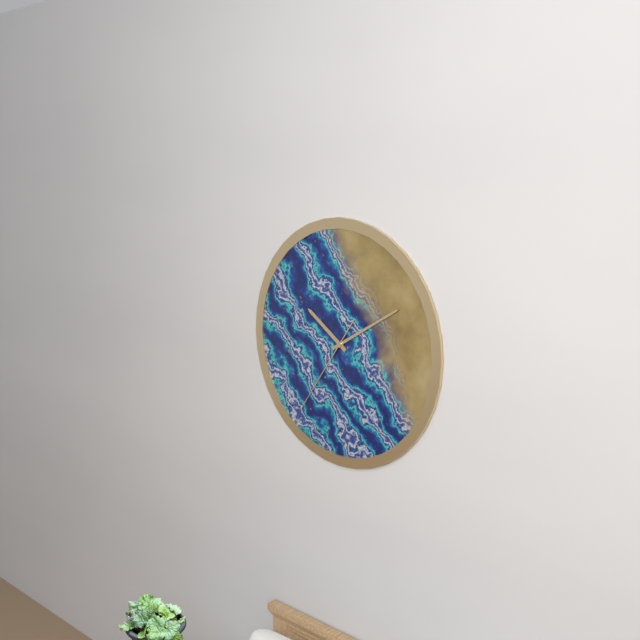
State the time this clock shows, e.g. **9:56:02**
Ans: **10:10:36**
